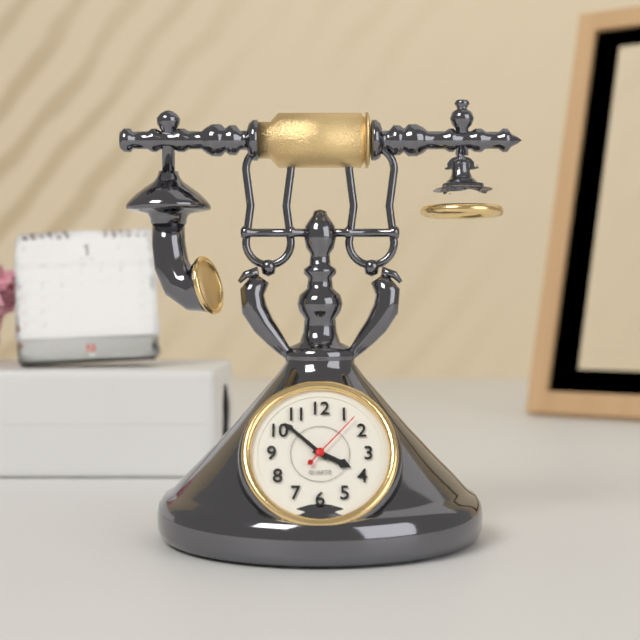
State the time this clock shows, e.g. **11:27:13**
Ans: **3:52:07**
